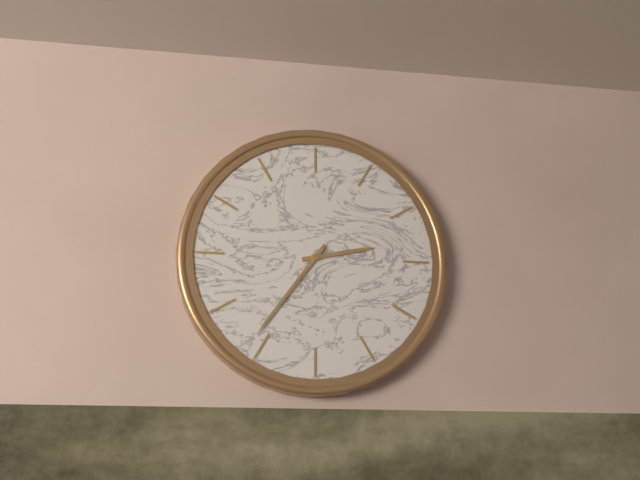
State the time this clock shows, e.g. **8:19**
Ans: **2:36**
